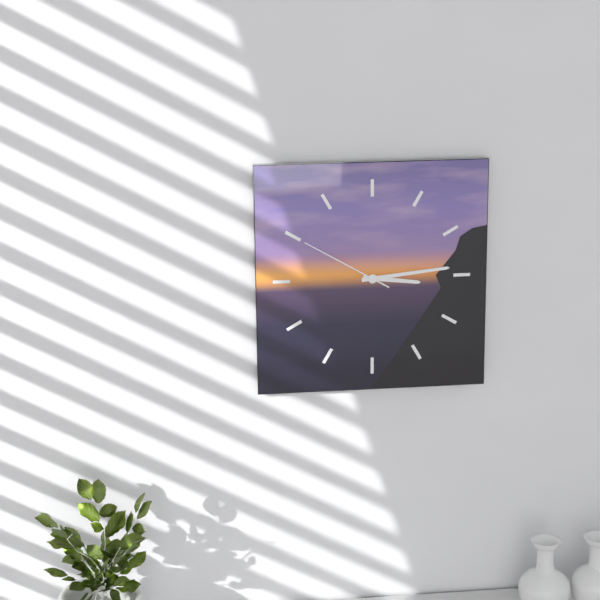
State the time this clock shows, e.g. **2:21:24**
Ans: **3:14:50**
